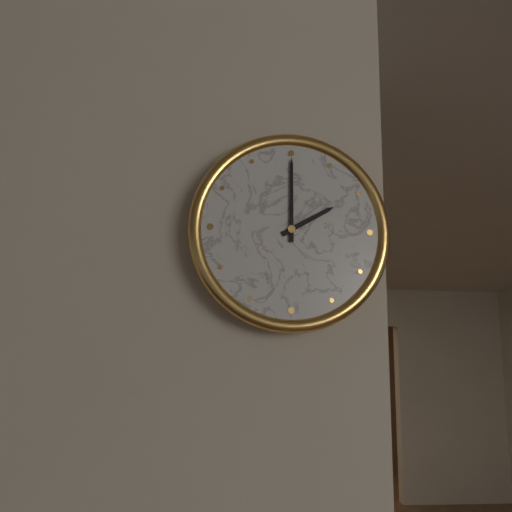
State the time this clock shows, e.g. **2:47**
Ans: **2:00**
